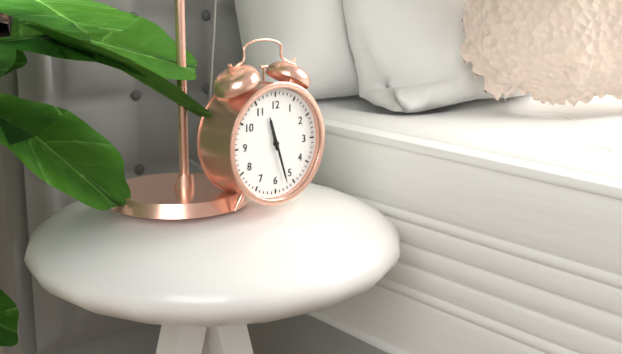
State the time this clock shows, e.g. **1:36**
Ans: **11:27**
